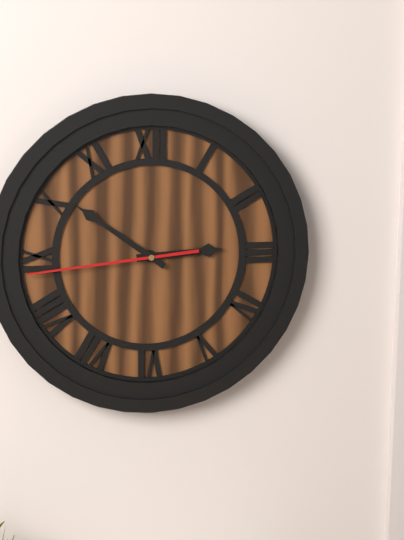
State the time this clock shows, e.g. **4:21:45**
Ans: **2:51:44**
